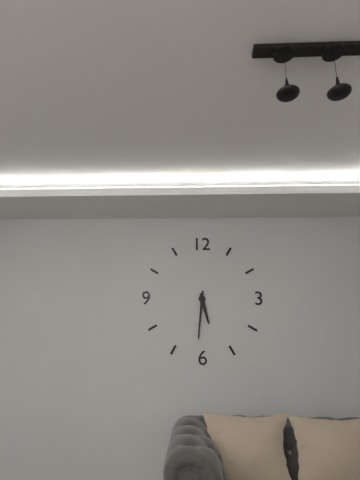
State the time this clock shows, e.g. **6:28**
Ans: **5:31**
